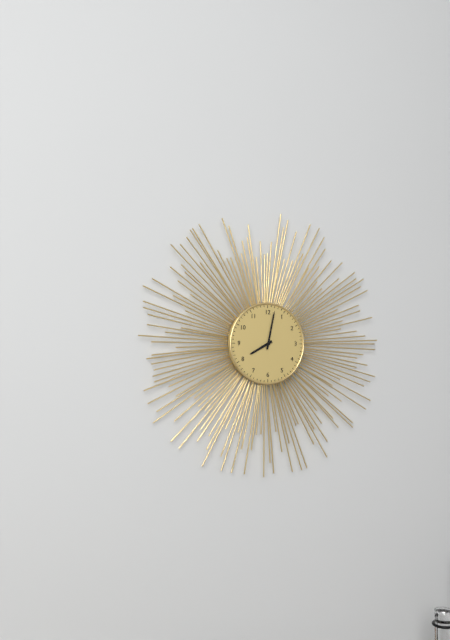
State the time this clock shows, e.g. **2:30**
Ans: **8:02**
